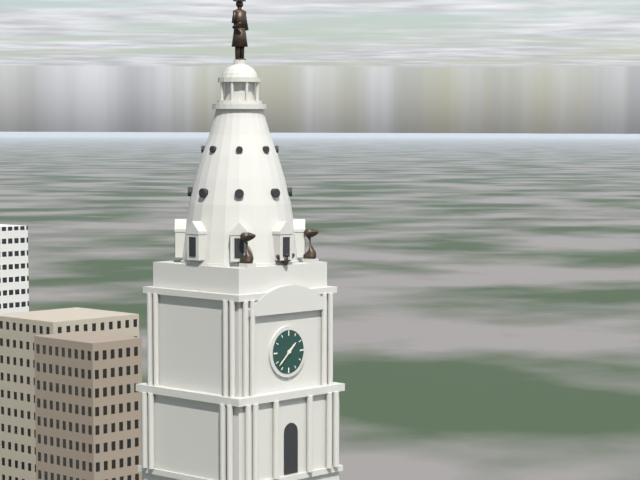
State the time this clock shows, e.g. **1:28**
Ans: **1:38**
